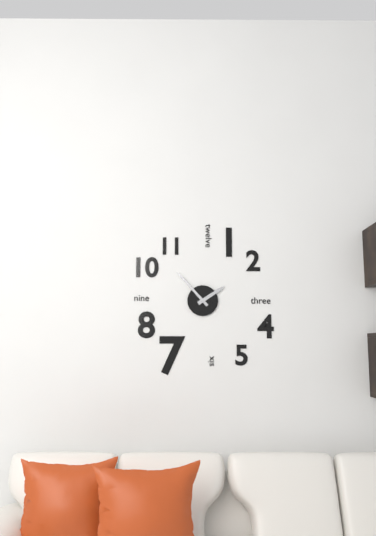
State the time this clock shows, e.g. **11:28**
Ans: **1:53**
